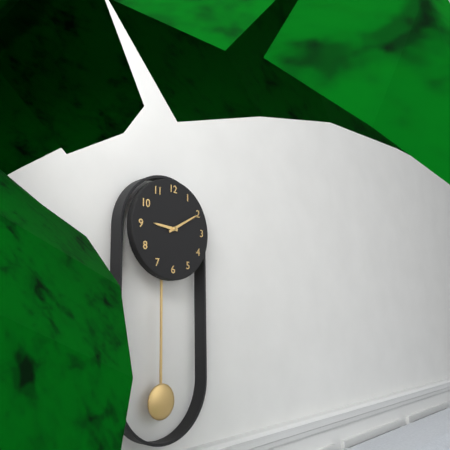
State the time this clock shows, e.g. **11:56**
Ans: **9:10**
